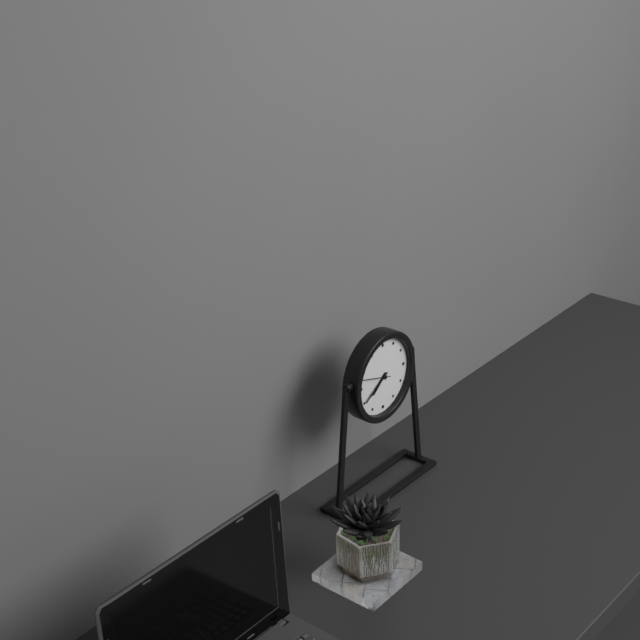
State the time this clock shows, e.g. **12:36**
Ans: **7:40**
